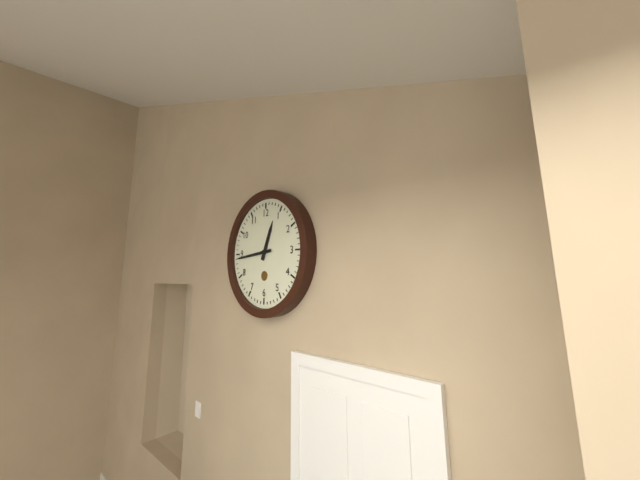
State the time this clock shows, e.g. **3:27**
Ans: **12:44**
